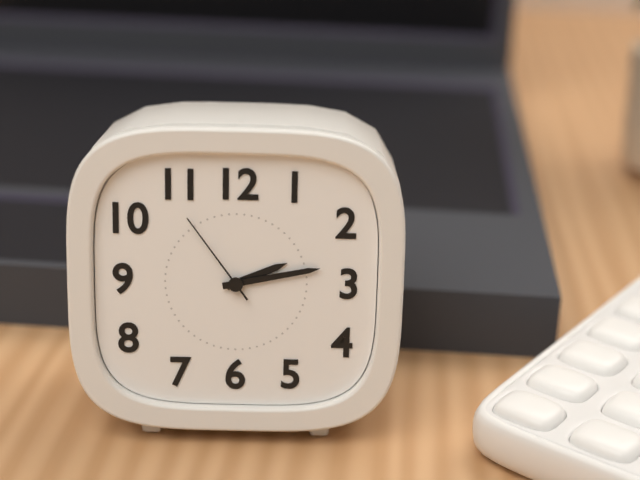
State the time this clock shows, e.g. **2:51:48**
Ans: **2:13:54**
